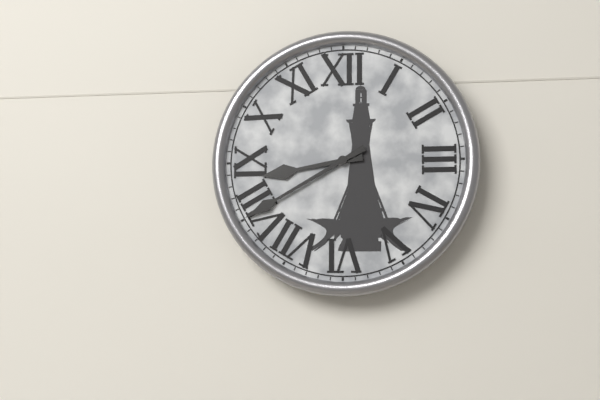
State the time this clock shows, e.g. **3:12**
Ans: **8:40**
